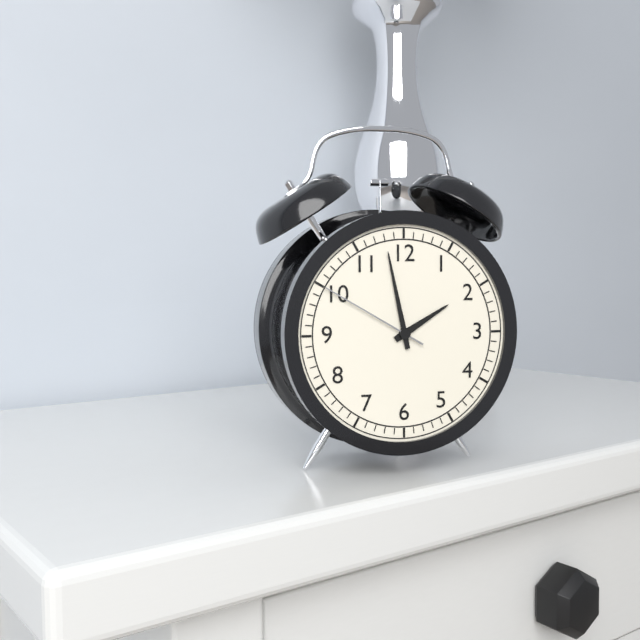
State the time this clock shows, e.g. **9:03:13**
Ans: **1:58:50**
